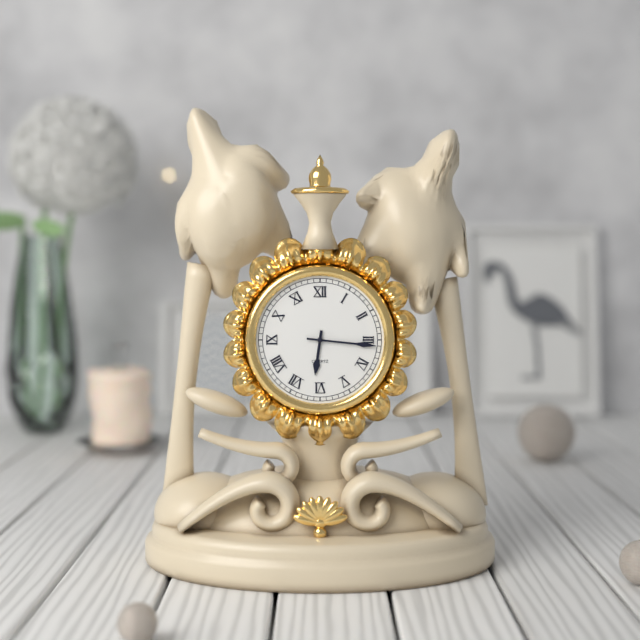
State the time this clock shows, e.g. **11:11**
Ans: **6:16**
